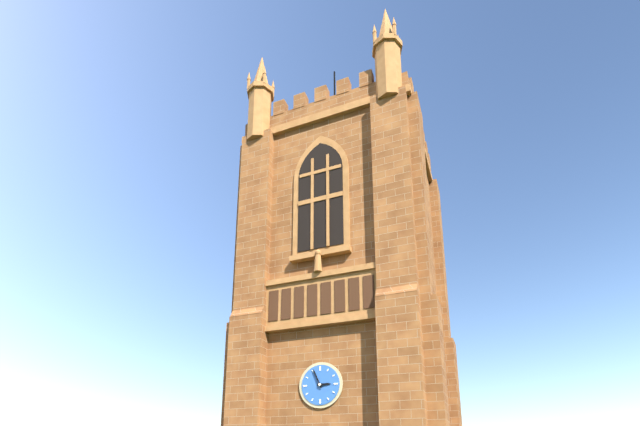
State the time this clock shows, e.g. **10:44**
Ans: **2:56**
